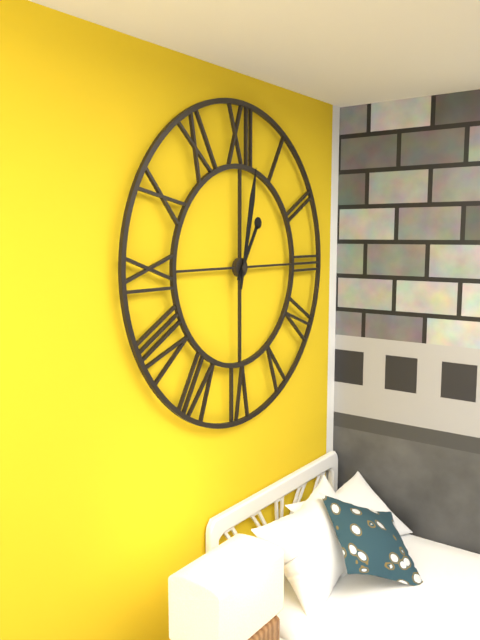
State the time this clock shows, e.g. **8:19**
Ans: **1:02**
